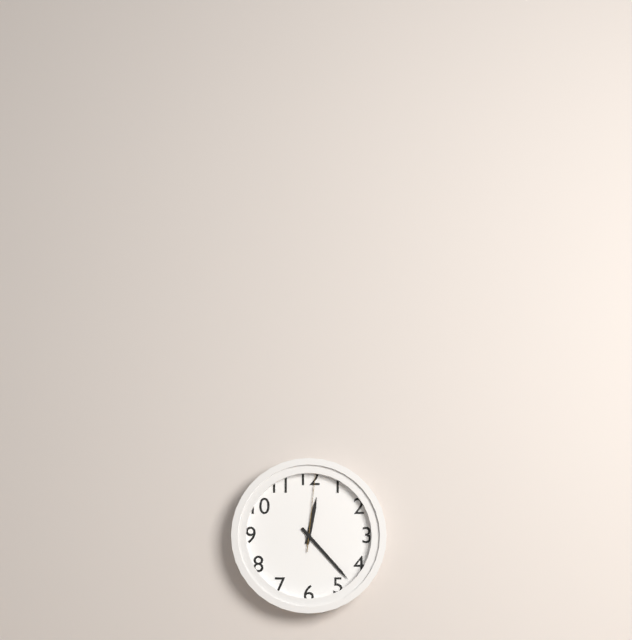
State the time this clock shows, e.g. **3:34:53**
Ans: **12:23:01**
